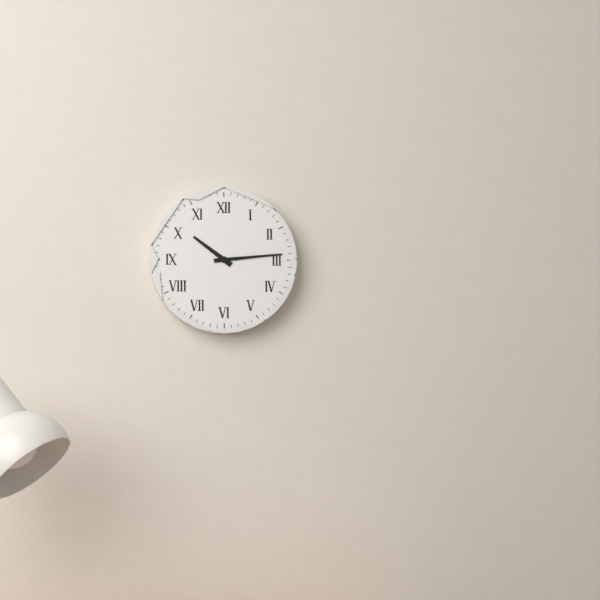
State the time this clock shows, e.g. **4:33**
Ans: **10:14**
